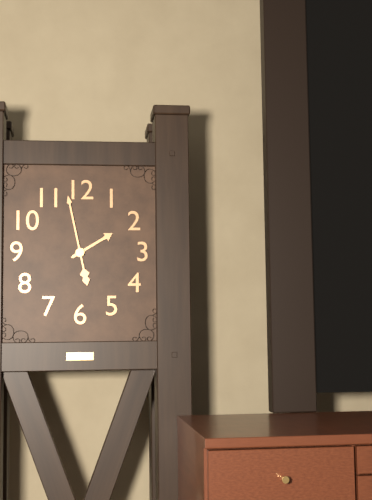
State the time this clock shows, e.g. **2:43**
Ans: **1:58**
